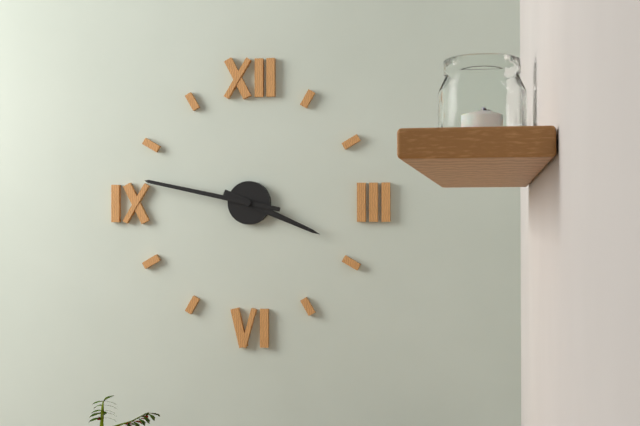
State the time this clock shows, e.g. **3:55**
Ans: **3:47**
